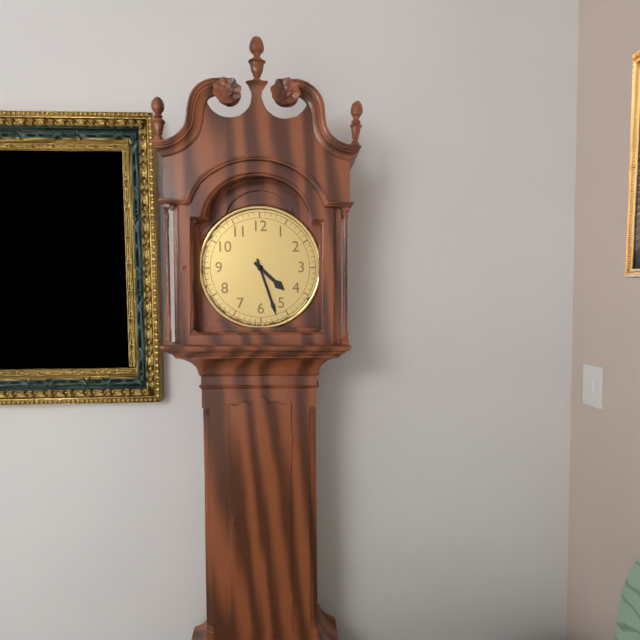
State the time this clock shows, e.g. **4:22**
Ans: **4:27**
